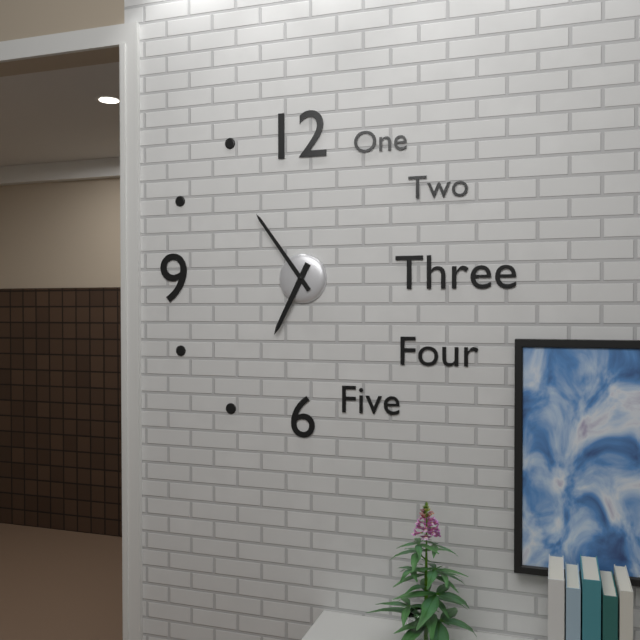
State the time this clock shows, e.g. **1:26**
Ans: **6:54**
